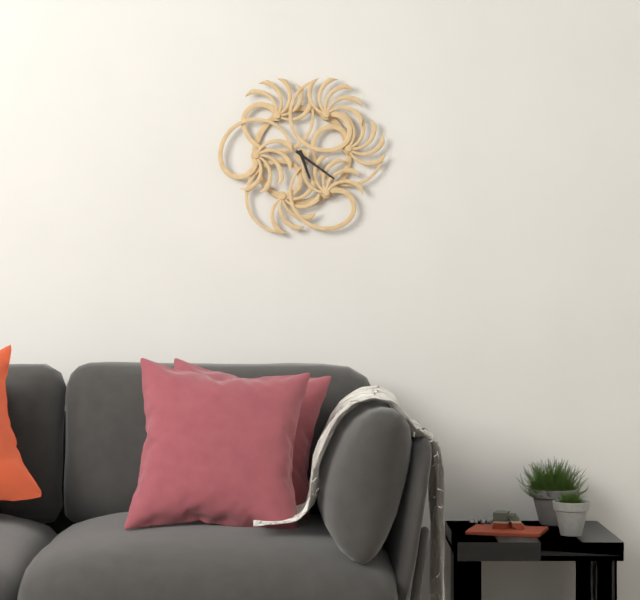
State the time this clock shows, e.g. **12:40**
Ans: **5:21**
